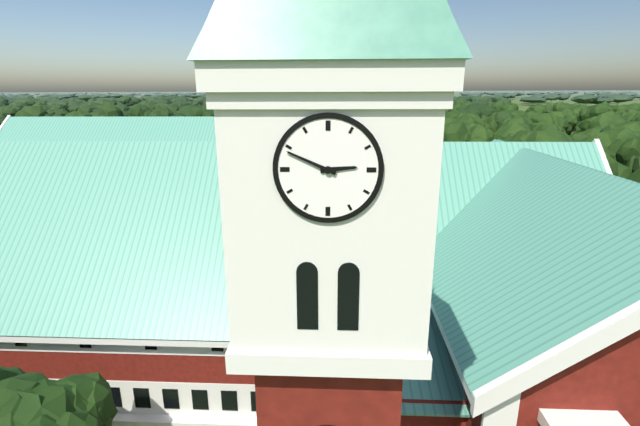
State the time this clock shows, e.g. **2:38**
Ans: **2:49**
